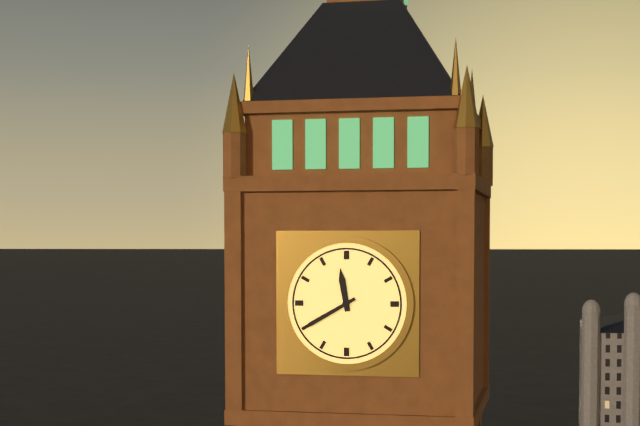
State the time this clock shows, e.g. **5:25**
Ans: **11:40**
